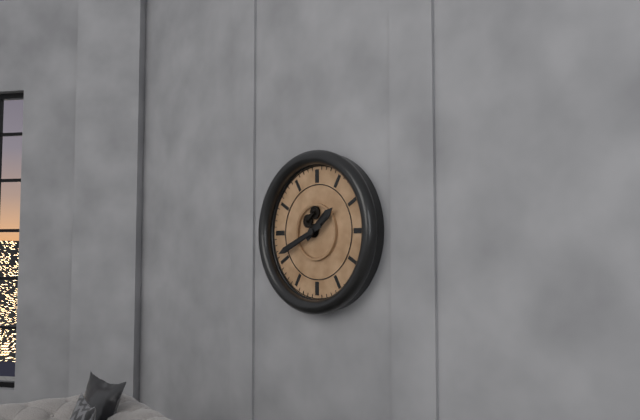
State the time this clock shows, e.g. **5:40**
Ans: **1:41**
